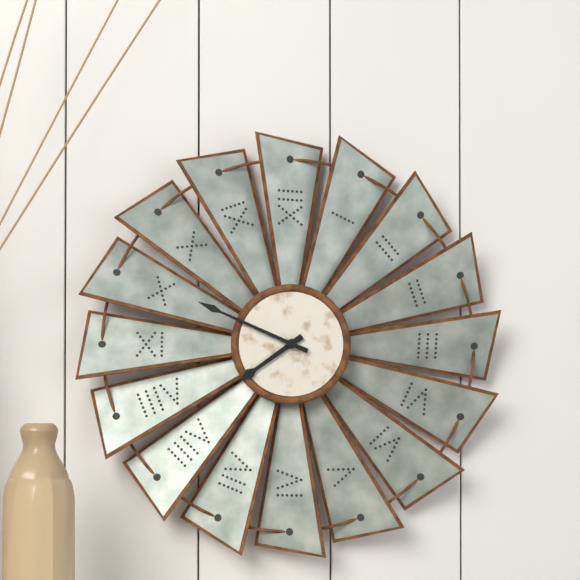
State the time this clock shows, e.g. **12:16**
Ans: **7:49**
